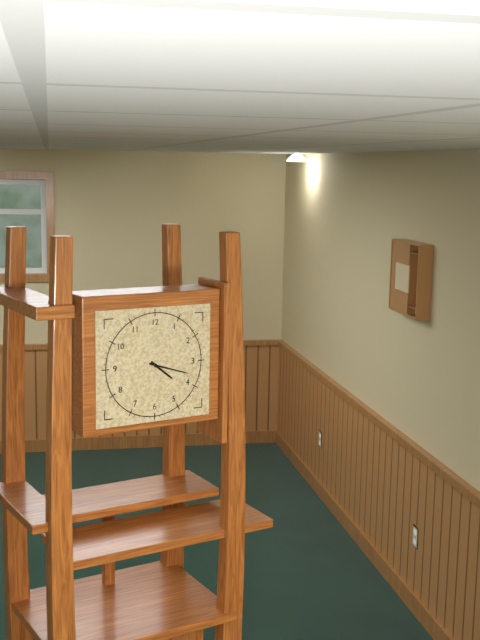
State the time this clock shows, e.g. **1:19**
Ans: **4:18**
